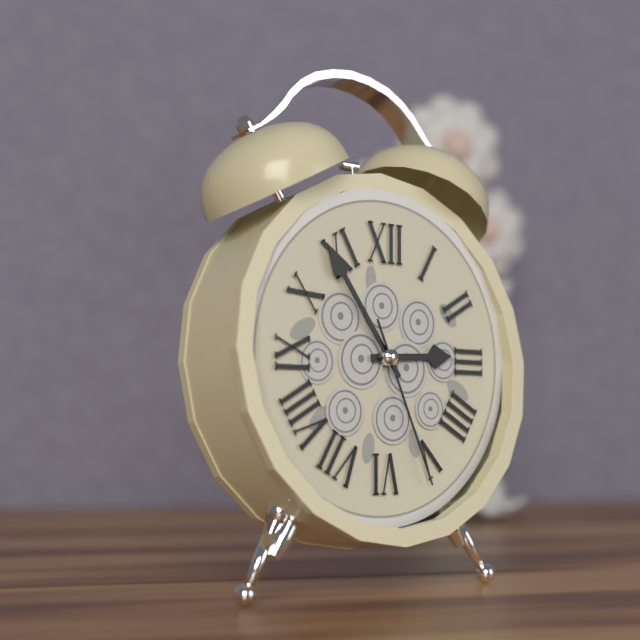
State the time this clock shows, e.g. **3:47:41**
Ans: **2:54:26**
